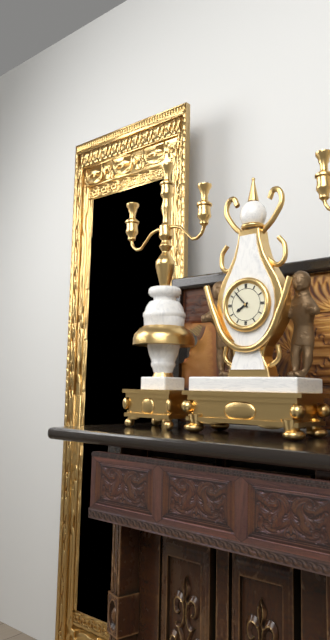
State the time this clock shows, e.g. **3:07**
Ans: **7:53**
